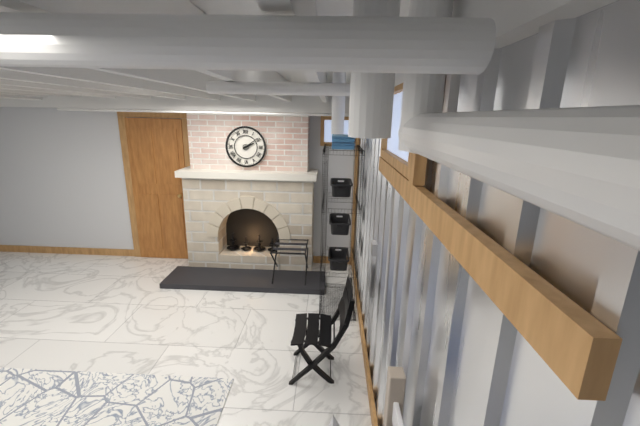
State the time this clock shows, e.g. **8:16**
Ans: **2:09**
